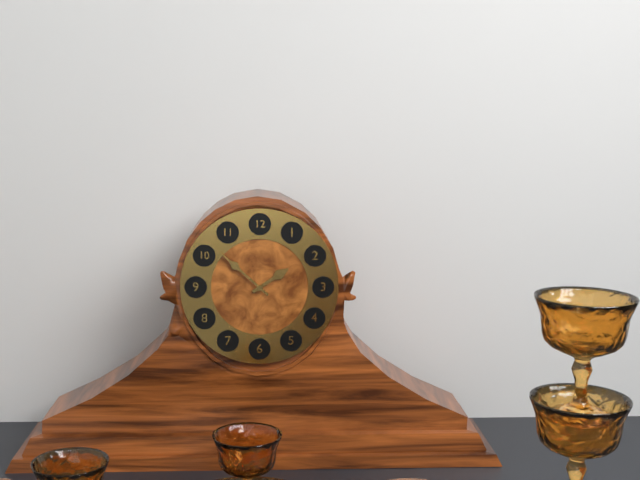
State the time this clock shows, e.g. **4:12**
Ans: **1:52**
